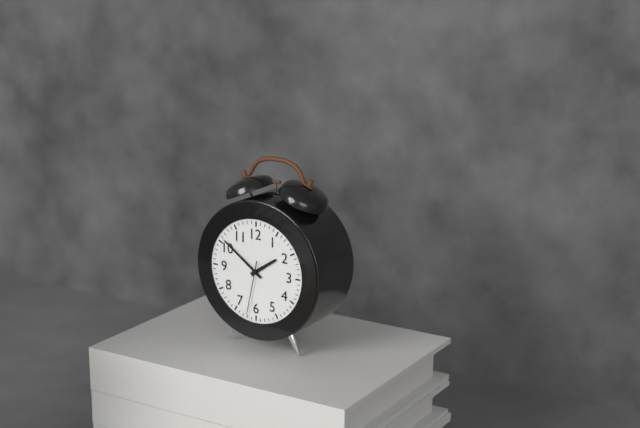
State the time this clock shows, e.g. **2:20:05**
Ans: **1:51:32**
